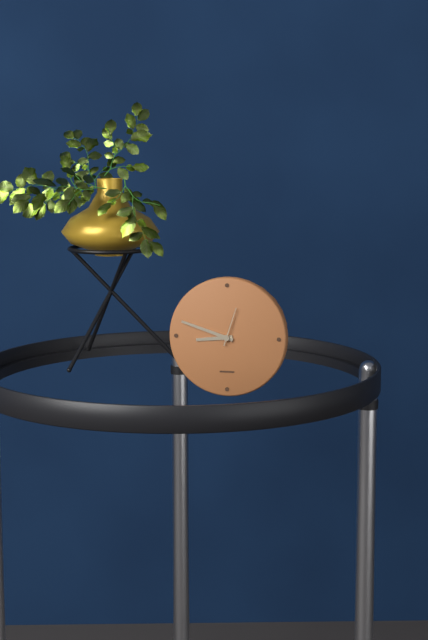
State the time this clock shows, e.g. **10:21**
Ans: **8:48**
